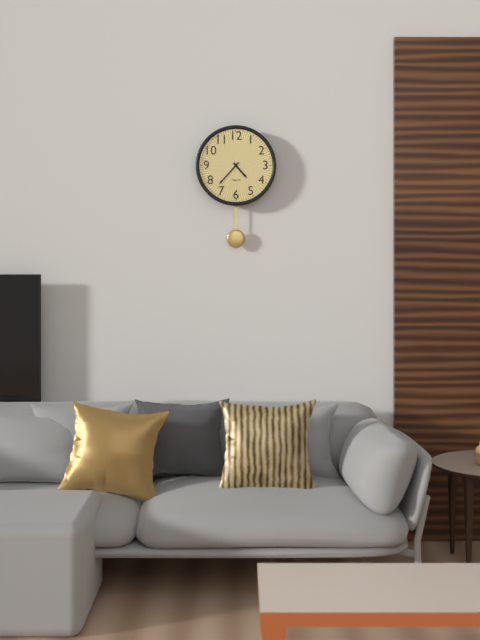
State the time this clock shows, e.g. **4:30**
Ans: **4:37**
